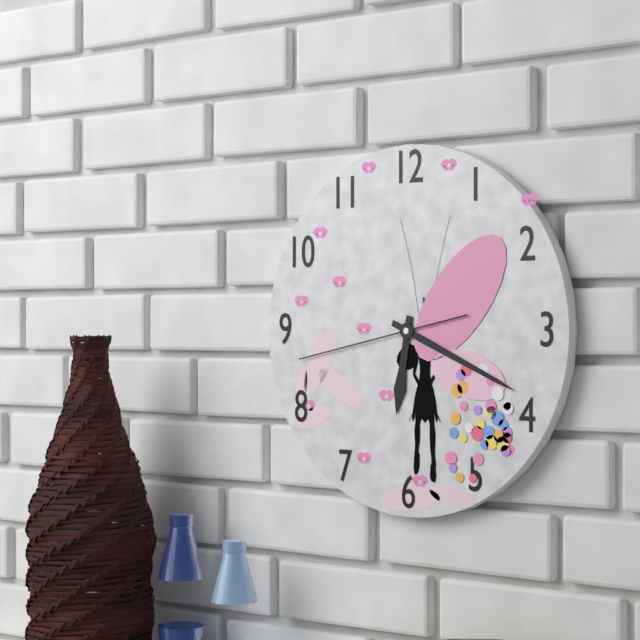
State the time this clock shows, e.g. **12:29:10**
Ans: **6:19:43**
